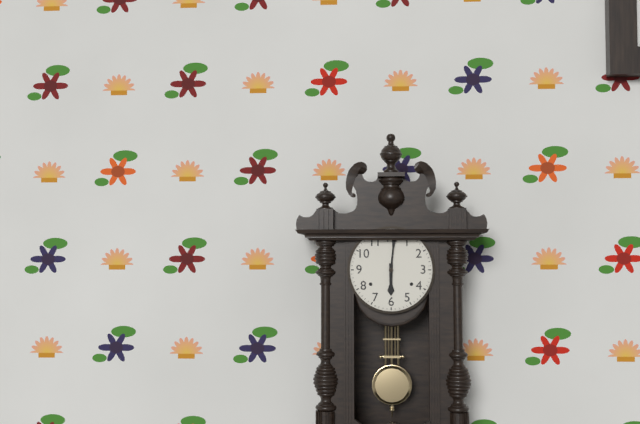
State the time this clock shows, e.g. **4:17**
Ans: **6:01**
